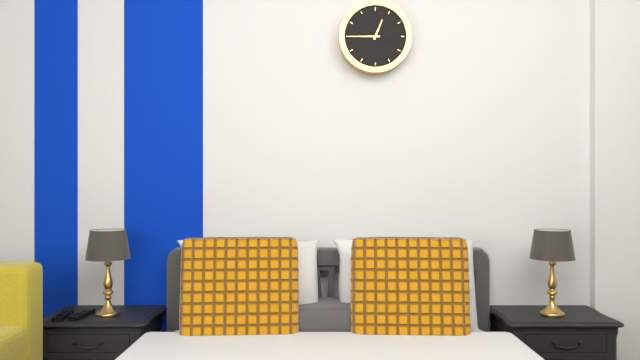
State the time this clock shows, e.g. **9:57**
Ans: **12:45**
